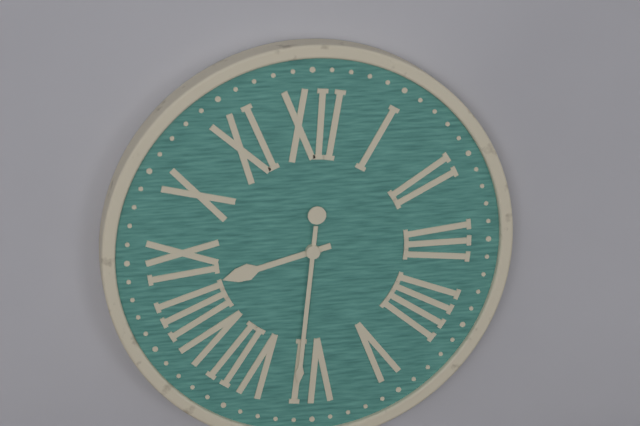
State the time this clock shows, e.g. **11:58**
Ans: **8:31**
